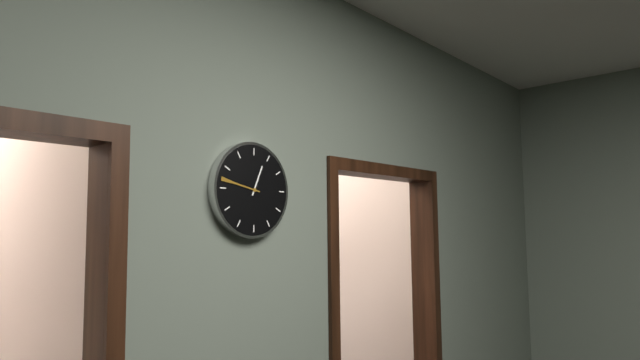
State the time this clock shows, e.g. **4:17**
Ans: **12:47**
